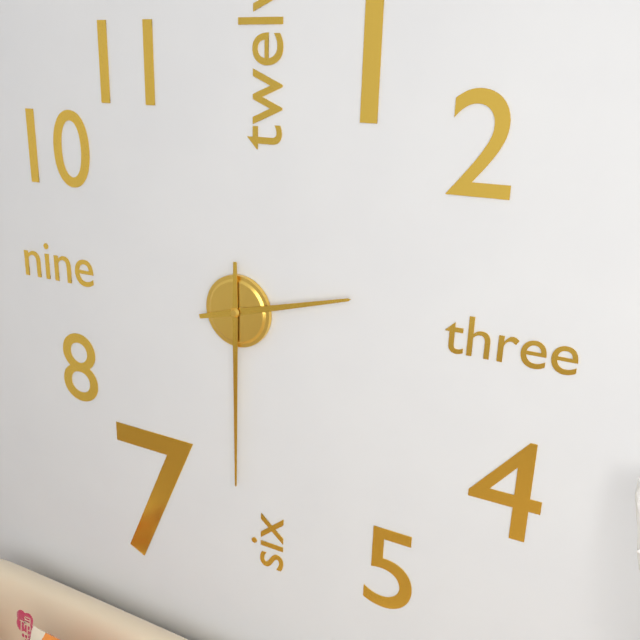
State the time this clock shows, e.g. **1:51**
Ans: **2:30**
